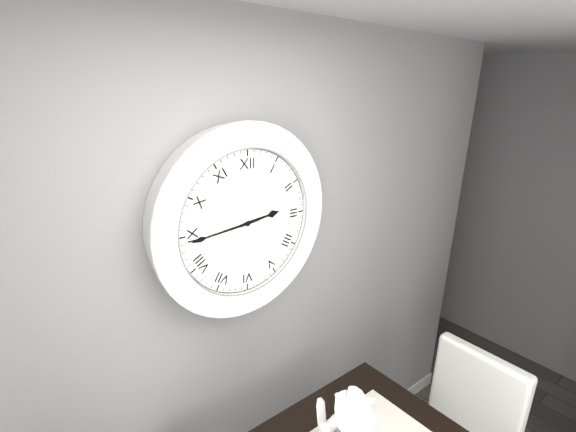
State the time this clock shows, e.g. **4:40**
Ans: **2:44**
